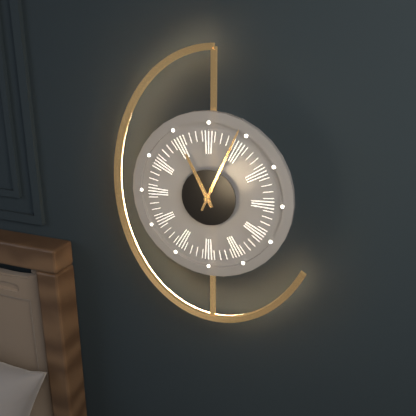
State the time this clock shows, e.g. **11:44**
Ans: **11:04**
